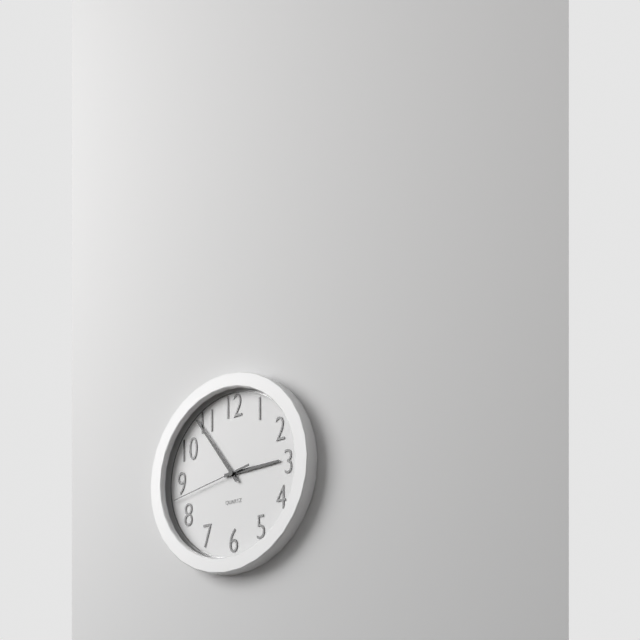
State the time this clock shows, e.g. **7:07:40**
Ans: **2:54:43**
